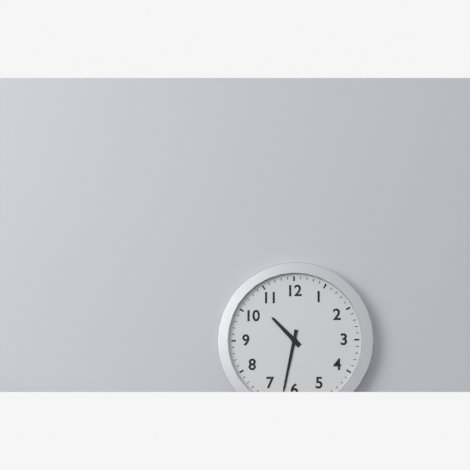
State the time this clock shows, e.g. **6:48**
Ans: **10:32**
